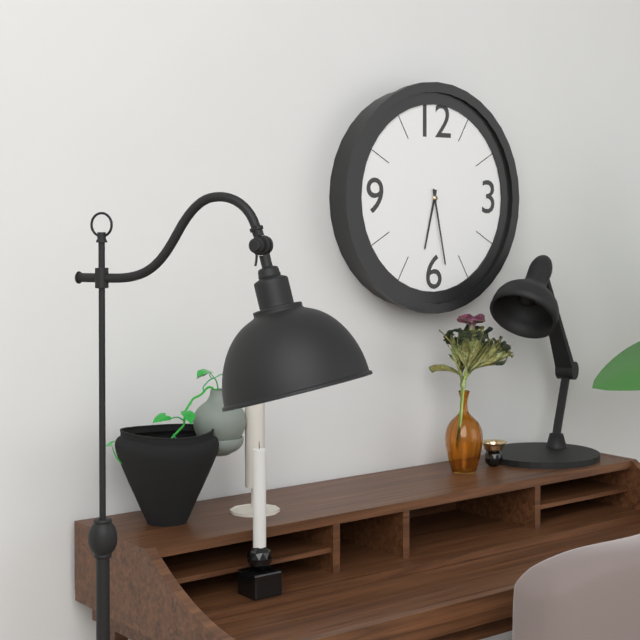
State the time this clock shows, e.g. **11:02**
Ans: **6:28**
